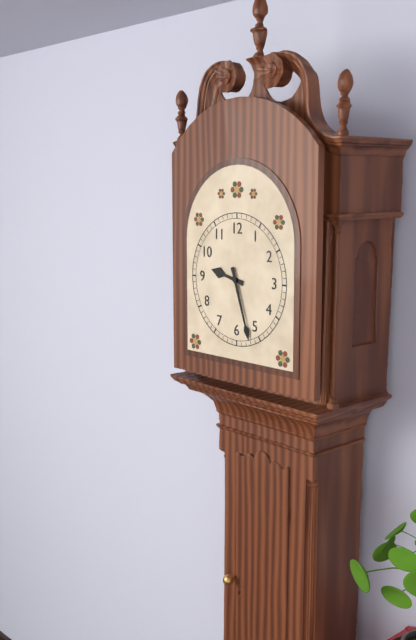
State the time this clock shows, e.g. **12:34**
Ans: **9:27**
